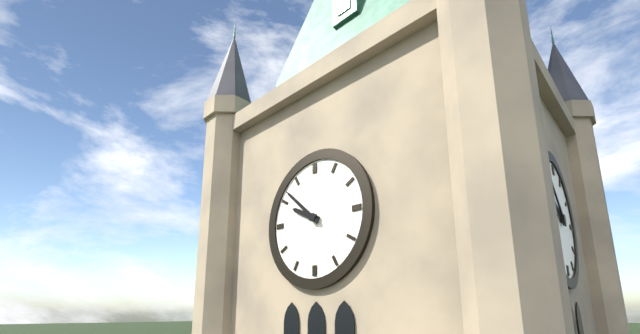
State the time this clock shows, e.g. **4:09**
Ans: **9:52**
